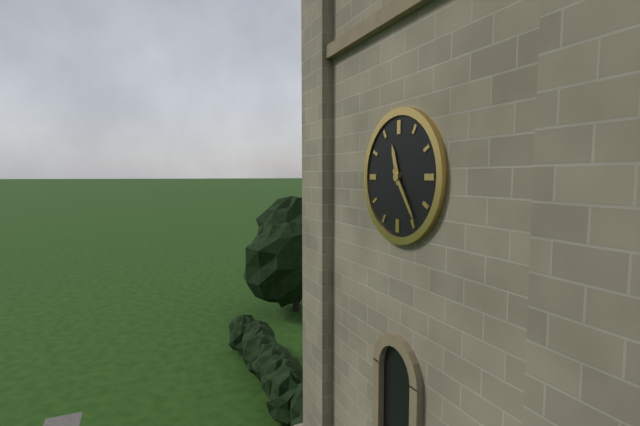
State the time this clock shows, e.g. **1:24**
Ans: **11:24**
